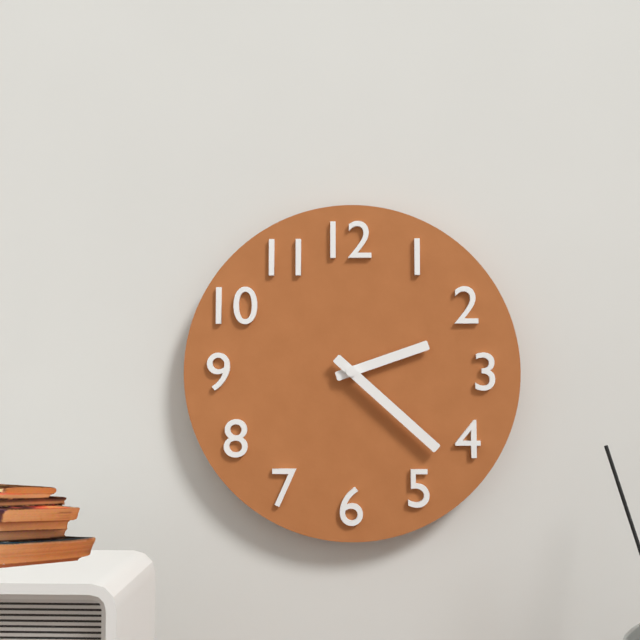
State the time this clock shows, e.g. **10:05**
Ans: **2:22**
